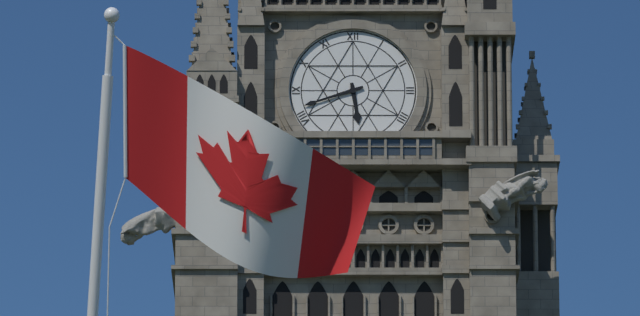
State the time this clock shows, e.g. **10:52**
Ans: **5:42**
